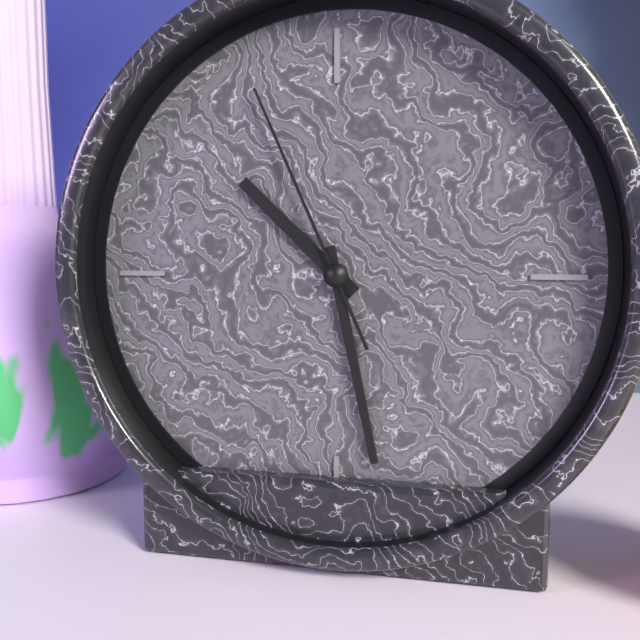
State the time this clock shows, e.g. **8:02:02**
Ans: **10:28:56**
